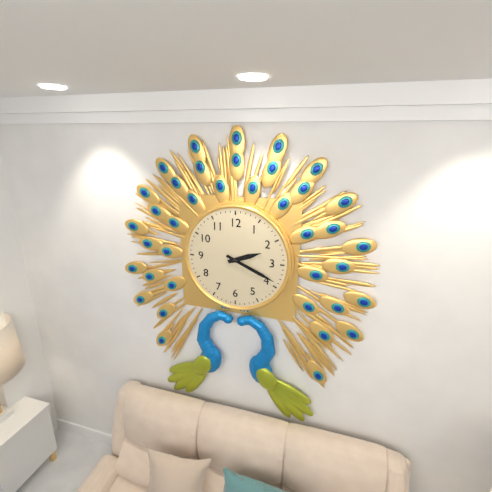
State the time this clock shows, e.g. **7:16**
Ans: **2:19**
